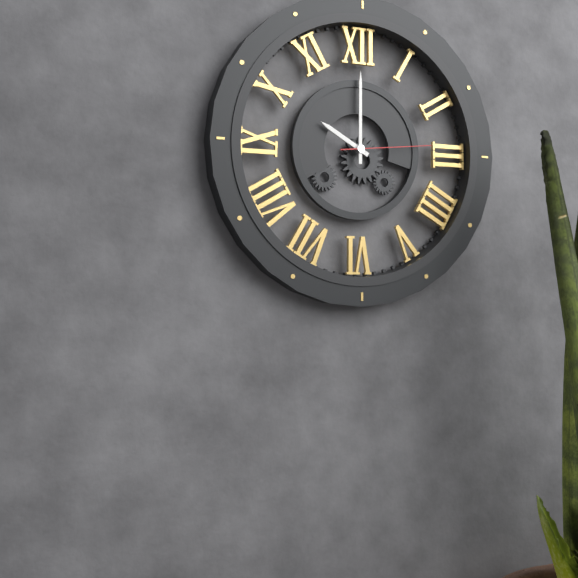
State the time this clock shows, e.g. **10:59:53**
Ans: **10:00:14**
